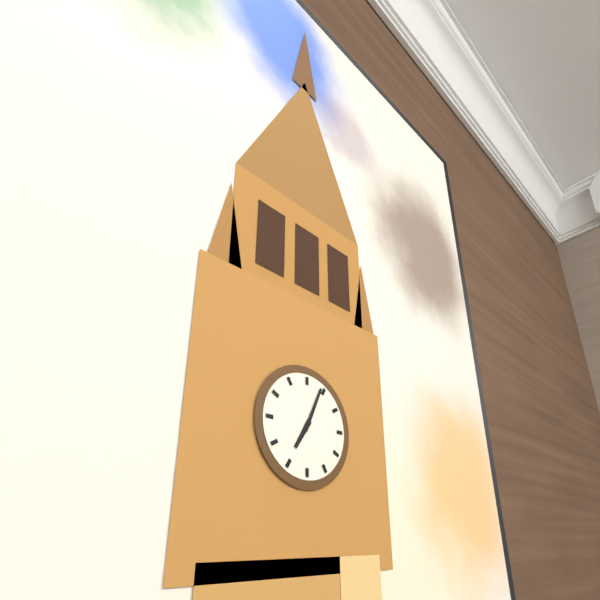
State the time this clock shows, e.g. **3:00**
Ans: **7:04**
